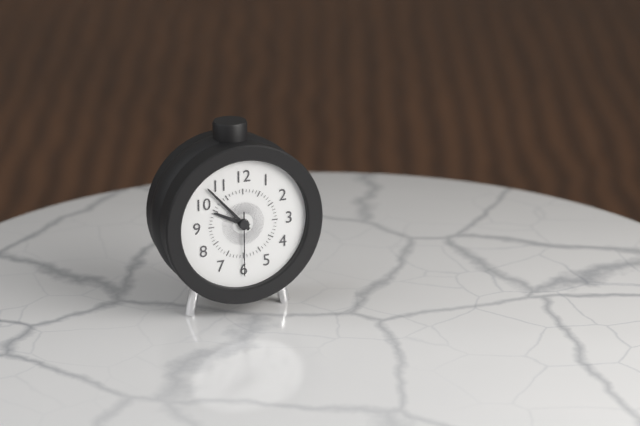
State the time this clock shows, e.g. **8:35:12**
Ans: **9:53:30**
